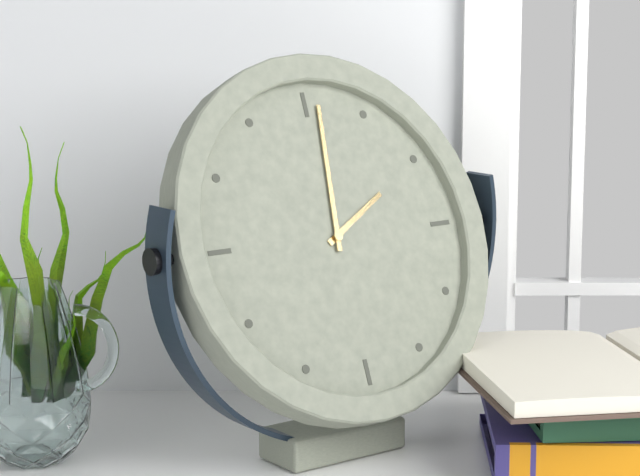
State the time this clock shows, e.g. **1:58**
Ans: **2:01**
